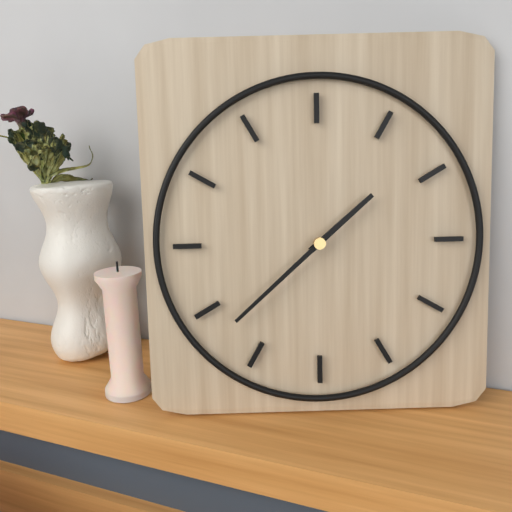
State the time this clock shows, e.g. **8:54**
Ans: **1:38**
